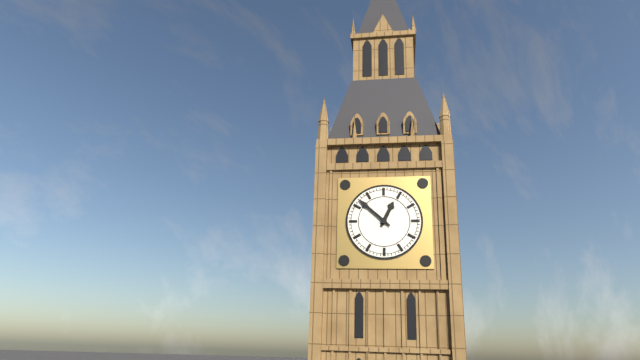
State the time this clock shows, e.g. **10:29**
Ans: **12:52**
